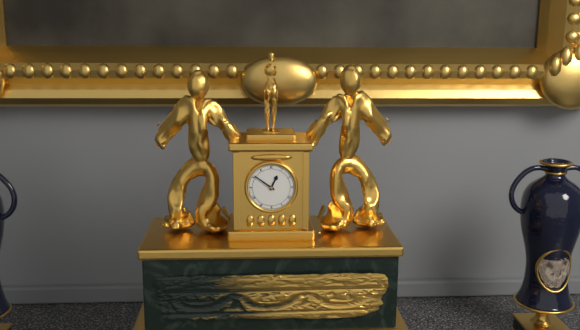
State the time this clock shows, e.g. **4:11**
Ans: **12:51**
